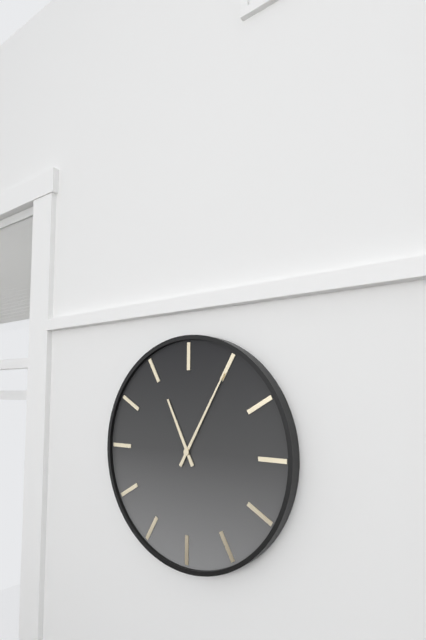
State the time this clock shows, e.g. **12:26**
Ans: **11:05**
